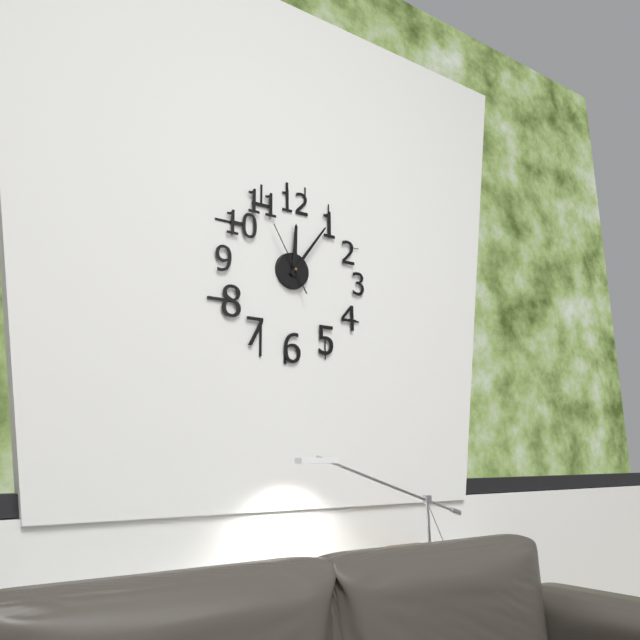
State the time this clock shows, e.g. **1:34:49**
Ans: **12:06:55**
